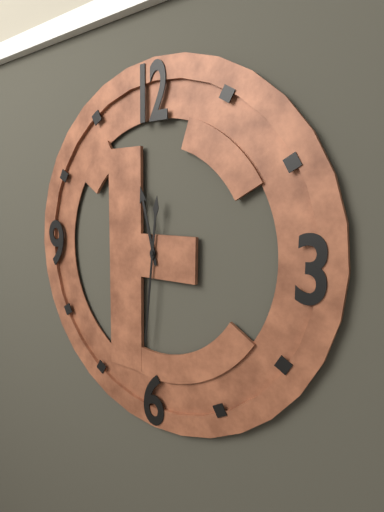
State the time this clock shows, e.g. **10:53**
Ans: **11:31**
